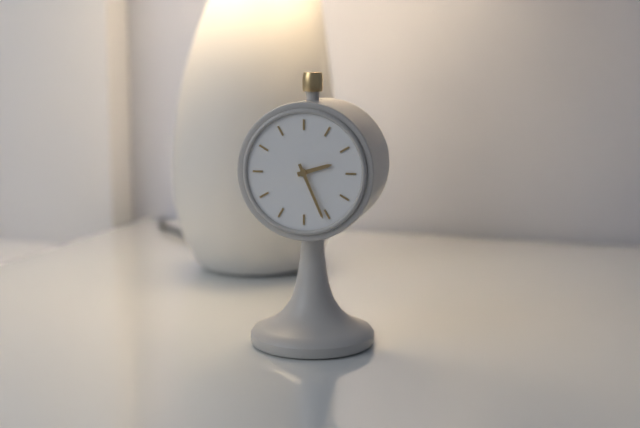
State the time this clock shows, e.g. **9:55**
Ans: **2:26**
